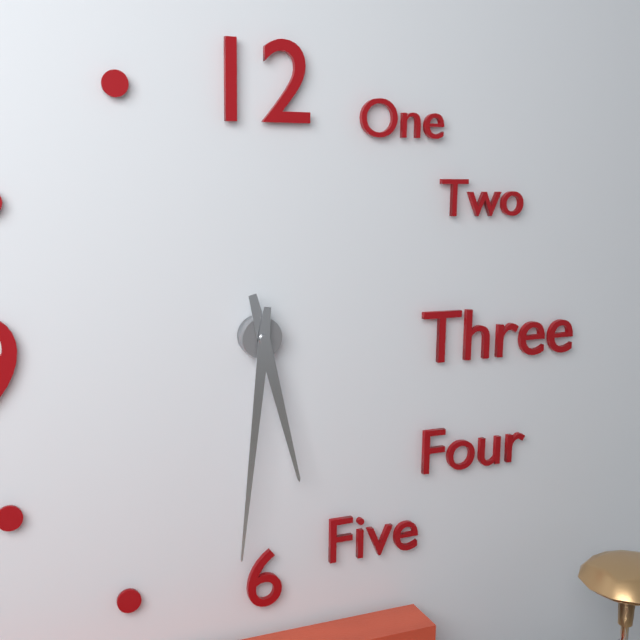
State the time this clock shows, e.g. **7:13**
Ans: **5:31**
